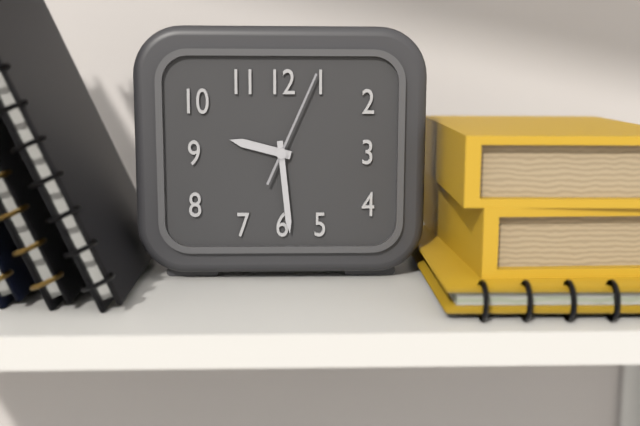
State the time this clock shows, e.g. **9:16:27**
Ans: **9:29:04**
